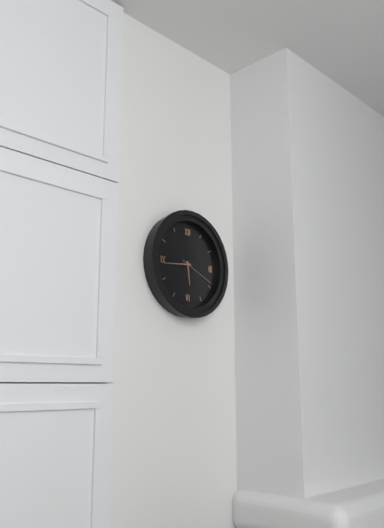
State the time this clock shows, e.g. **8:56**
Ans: **5:44**
